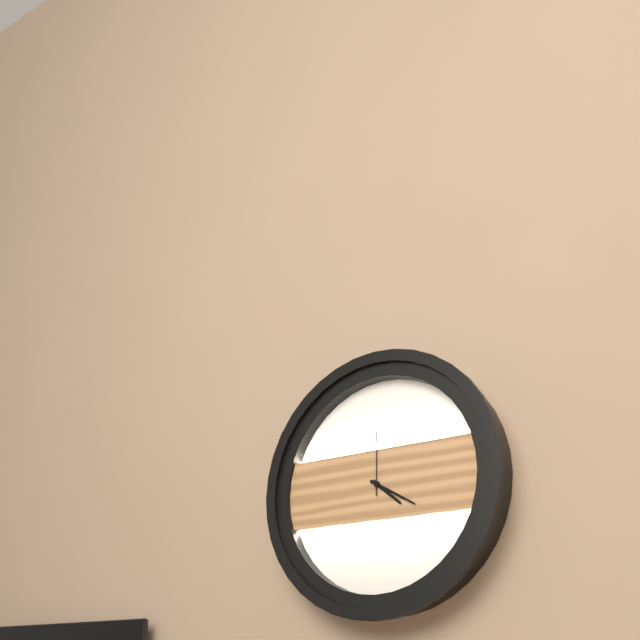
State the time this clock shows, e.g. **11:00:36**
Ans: **4:20:00**
